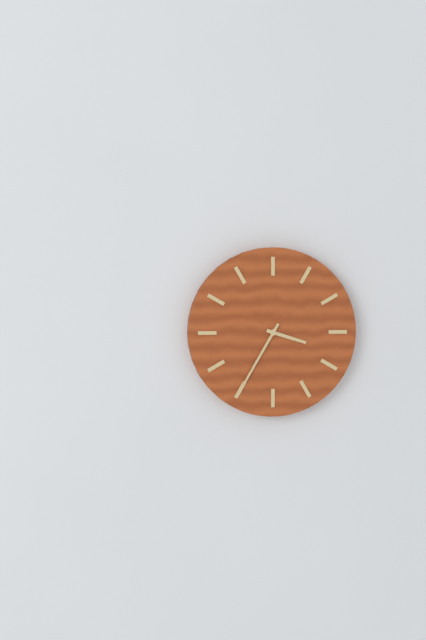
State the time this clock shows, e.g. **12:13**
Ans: **3:35**
